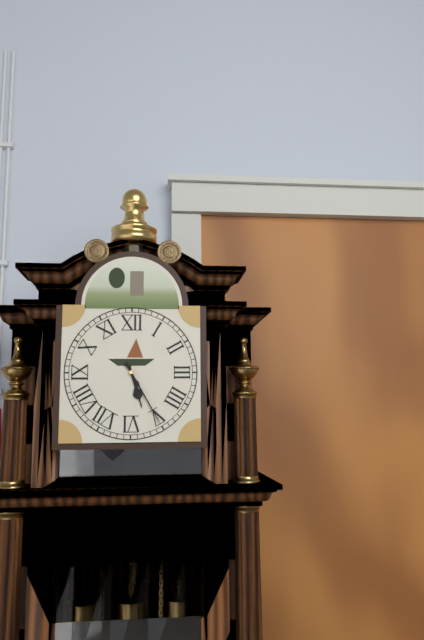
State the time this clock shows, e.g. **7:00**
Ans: **5:25**
